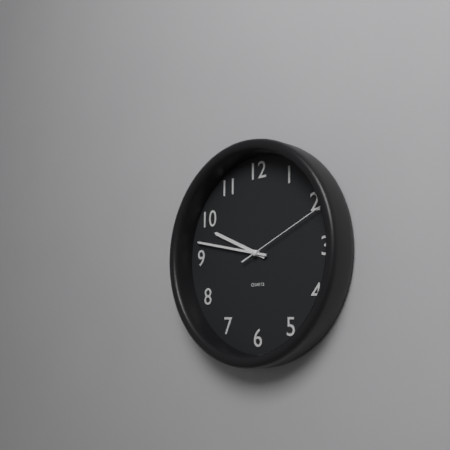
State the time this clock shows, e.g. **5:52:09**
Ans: **9:47:11**
